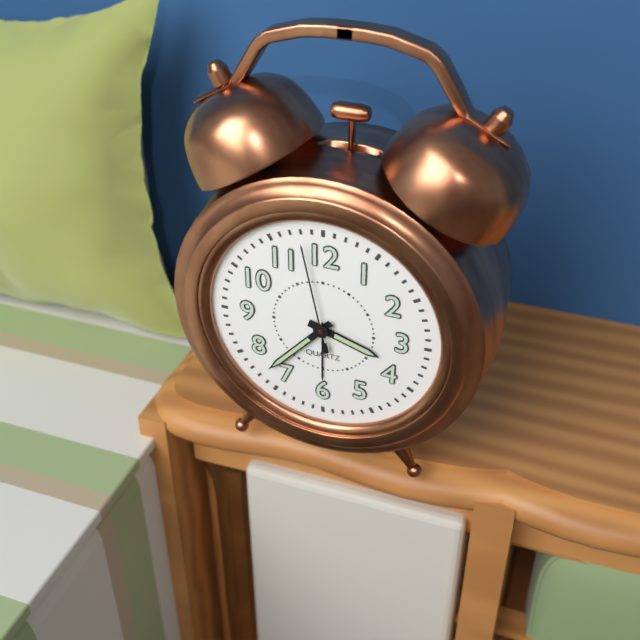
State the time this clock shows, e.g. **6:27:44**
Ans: **3:37:58**
